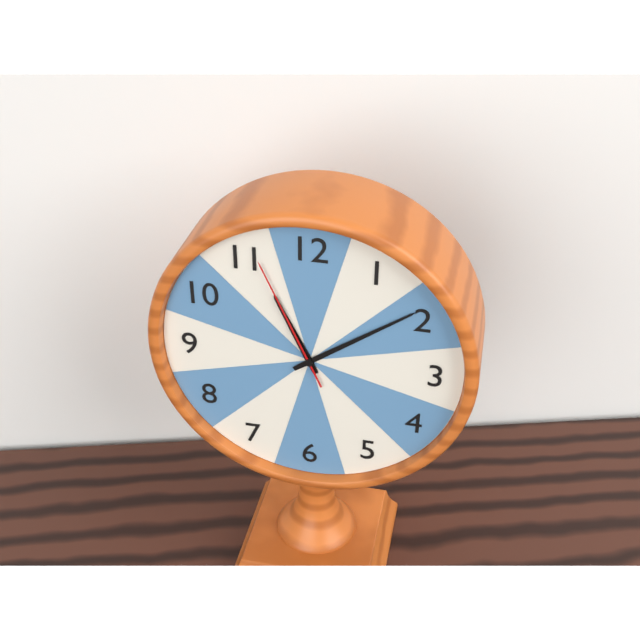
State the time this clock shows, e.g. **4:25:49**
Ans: **11:09:56**
